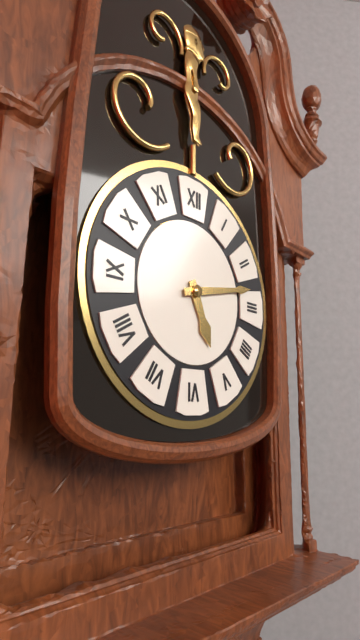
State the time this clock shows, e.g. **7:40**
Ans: **5:13**
